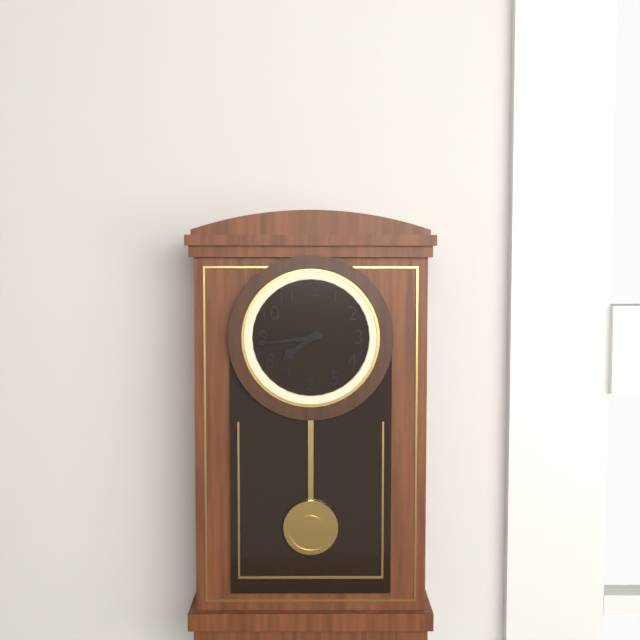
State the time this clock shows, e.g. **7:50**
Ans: **7:44**
